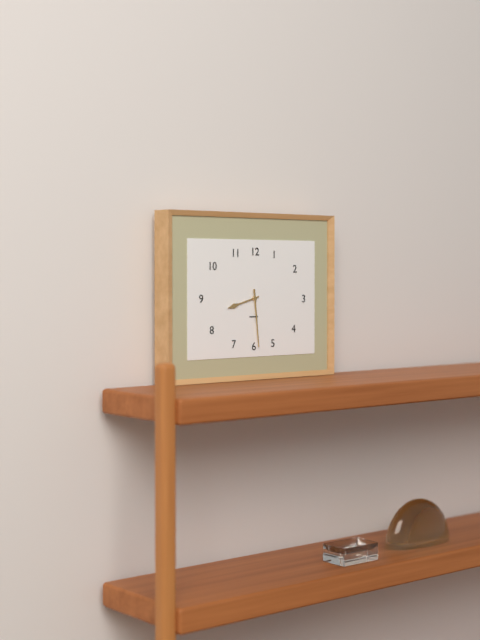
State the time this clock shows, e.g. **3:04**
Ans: **8:29**
